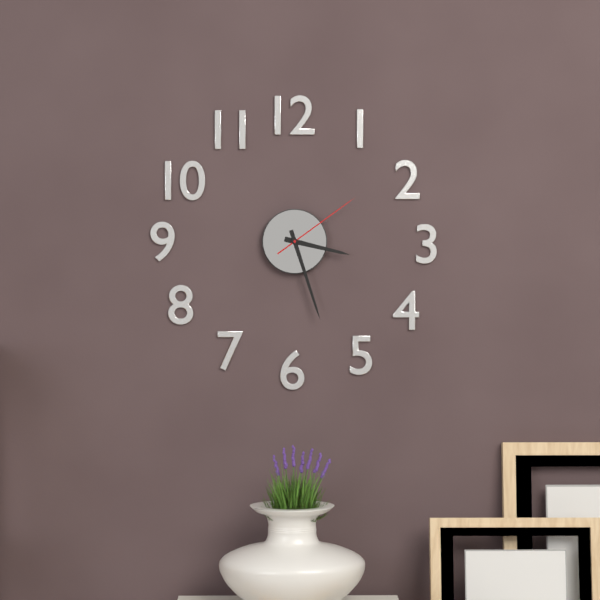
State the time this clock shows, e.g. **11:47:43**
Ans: **3:27:09**
